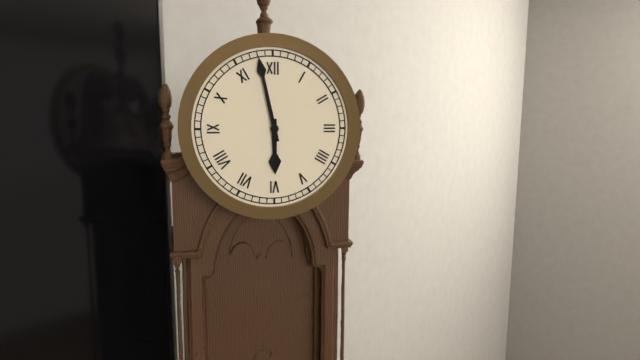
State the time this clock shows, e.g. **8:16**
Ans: **5:58**
